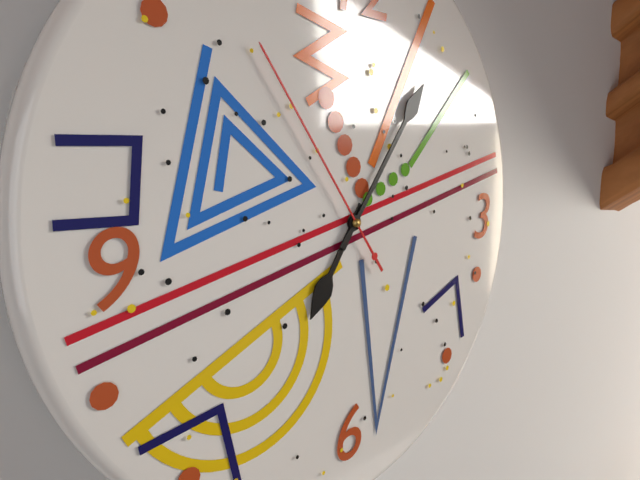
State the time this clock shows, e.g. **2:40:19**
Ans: **7:06:54**
